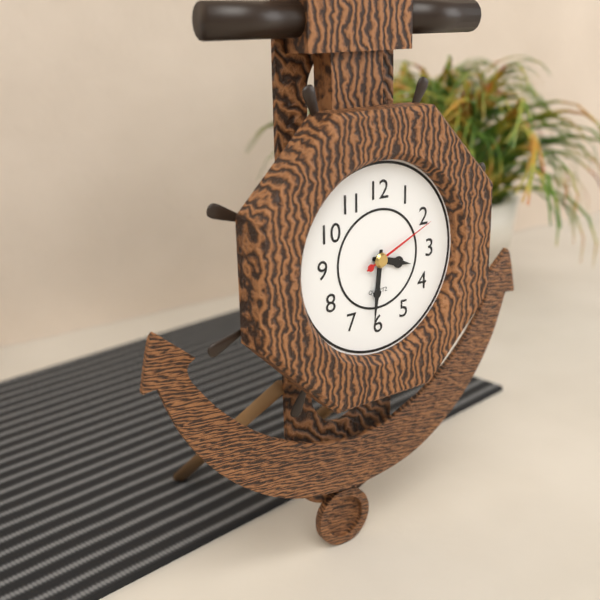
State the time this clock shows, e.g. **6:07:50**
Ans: **3:31:11**
